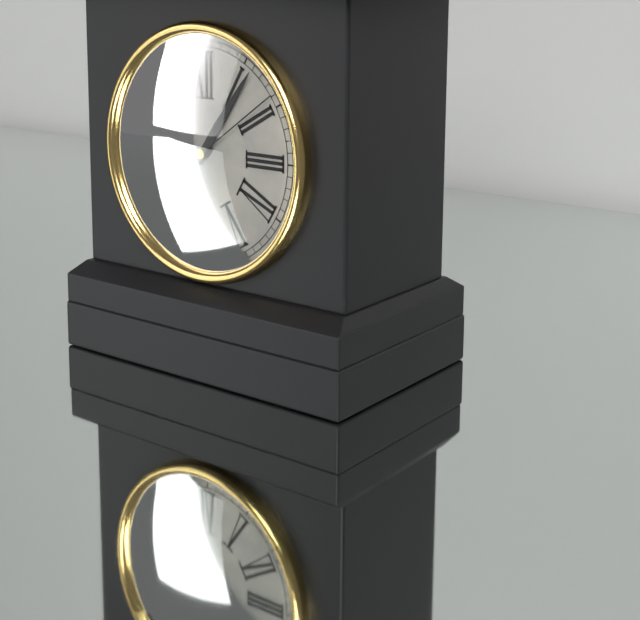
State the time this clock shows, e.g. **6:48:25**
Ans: **8:06:09**
